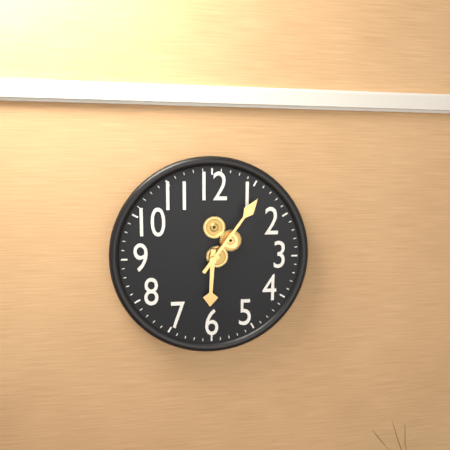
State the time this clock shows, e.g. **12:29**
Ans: **6:06**
